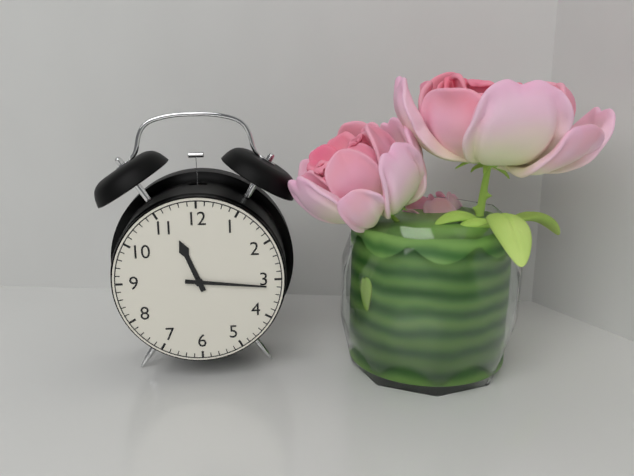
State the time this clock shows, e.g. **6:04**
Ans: **11:16**
